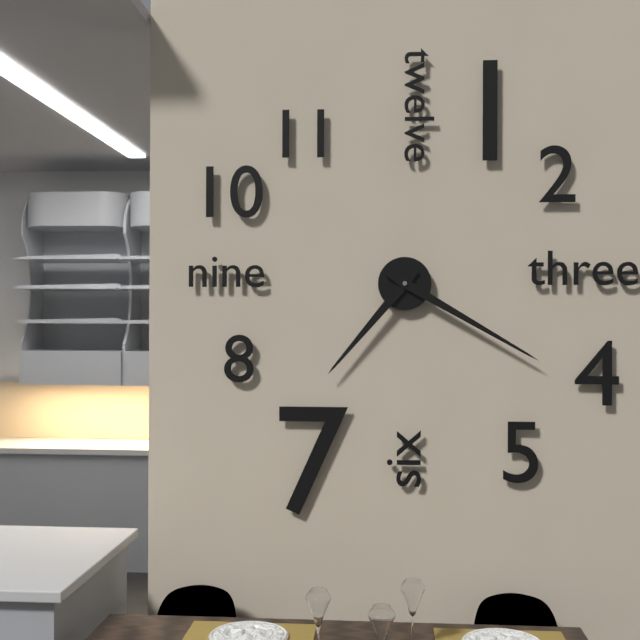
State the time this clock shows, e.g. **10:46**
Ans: **7:20**
